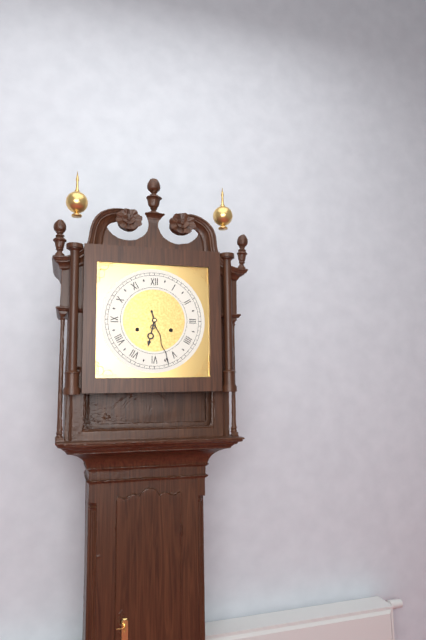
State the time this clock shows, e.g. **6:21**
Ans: **6:27**
